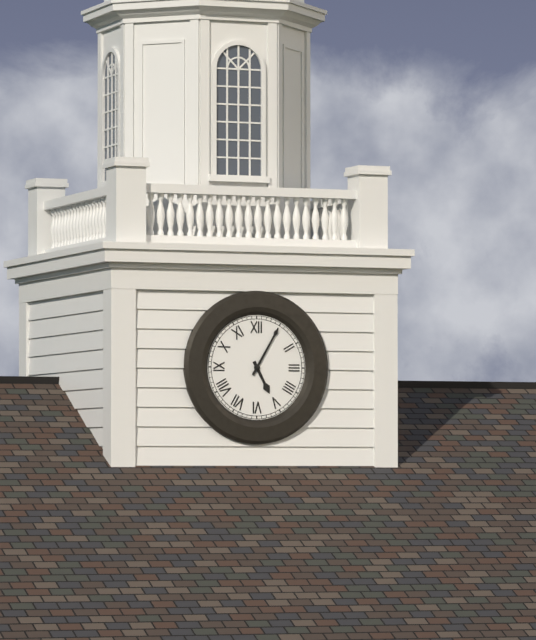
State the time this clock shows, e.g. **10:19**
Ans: **5:05**
